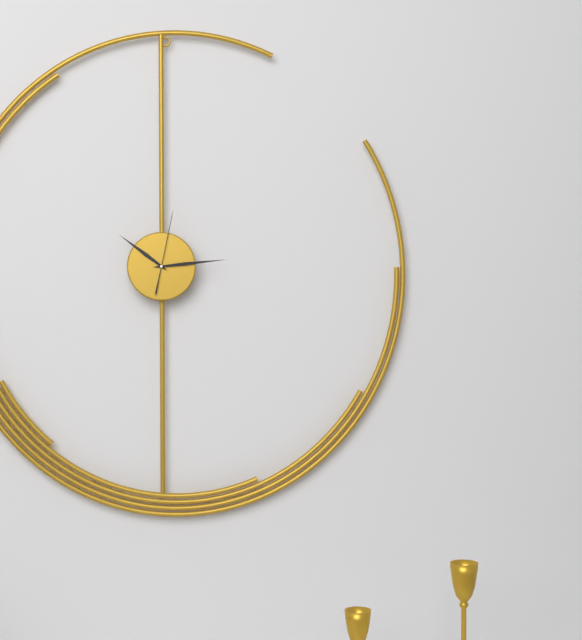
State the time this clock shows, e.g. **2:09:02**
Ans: **10:14:02**
